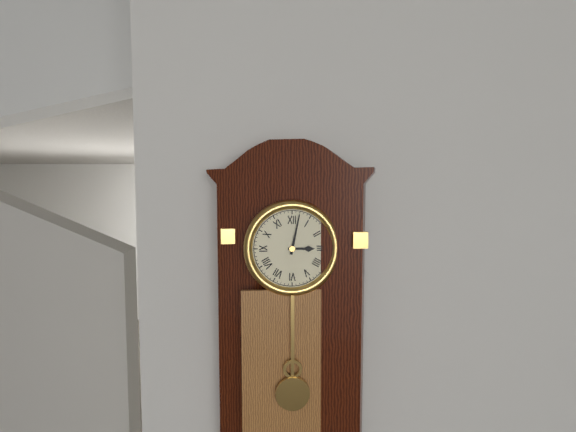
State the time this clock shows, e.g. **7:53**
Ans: **3:02**
